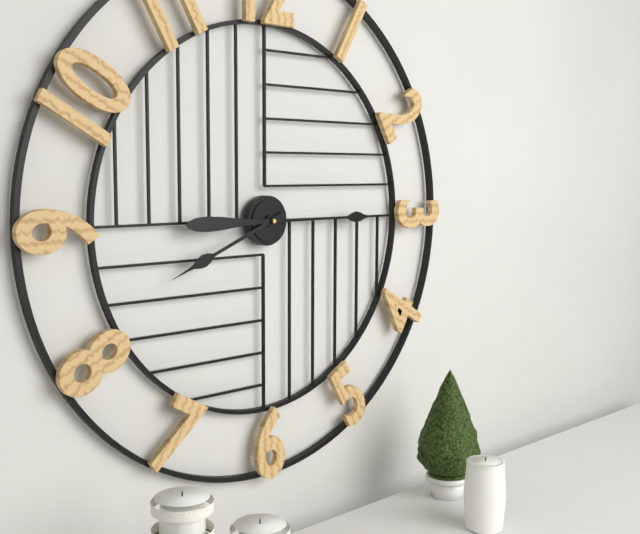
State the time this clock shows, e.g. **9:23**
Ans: **8:15**
